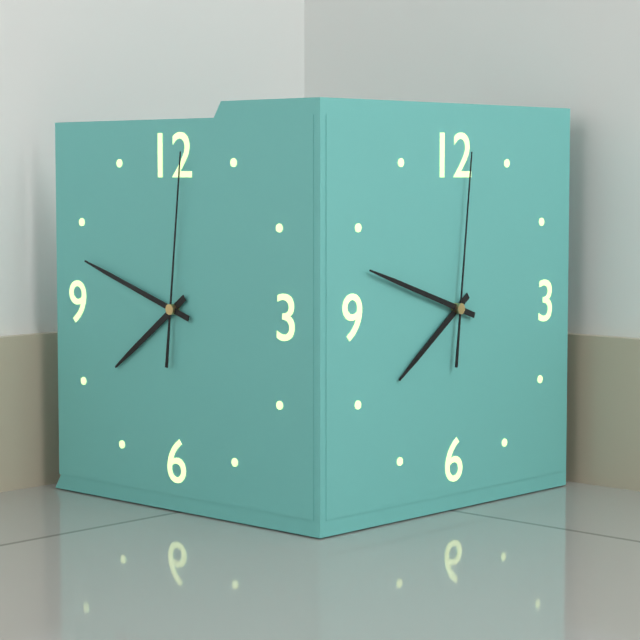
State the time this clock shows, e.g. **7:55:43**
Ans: **7:48:01**
